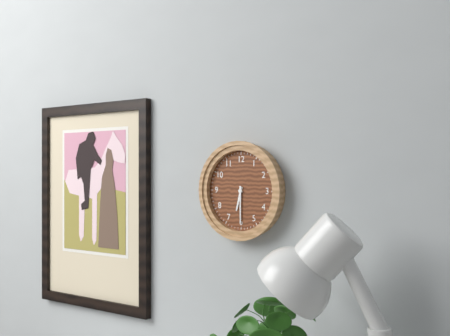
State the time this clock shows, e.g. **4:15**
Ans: **6:30**
